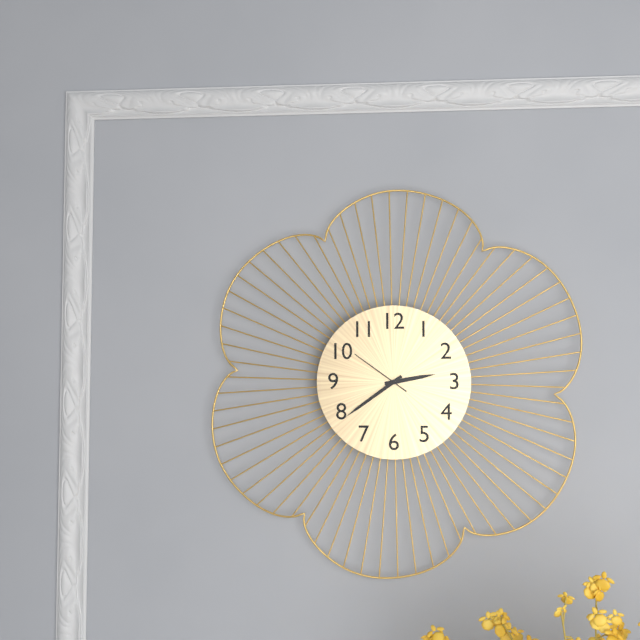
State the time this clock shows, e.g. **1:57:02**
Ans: **2:39:51**
